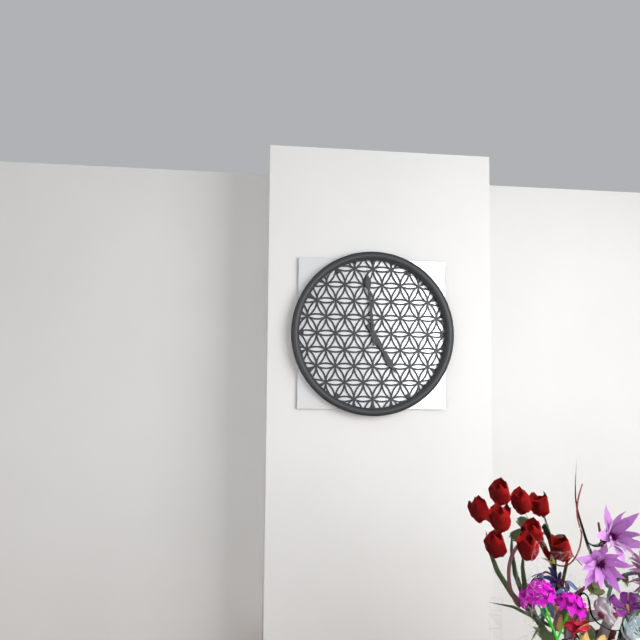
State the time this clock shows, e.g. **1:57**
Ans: **4:59**
